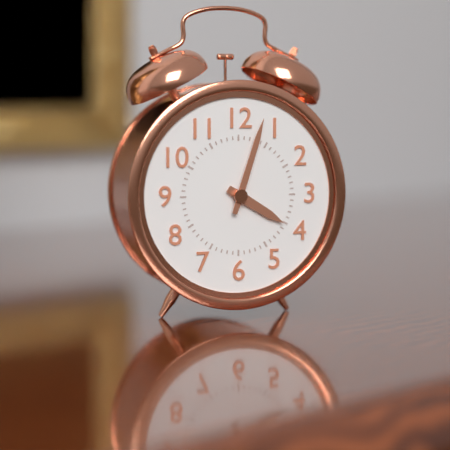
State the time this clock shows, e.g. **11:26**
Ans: **4:03**
